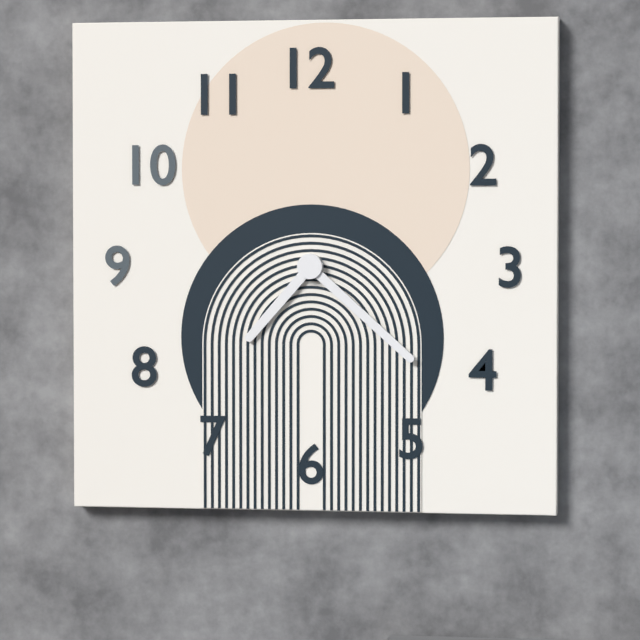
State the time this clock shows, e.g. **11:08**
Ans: **7:22**
